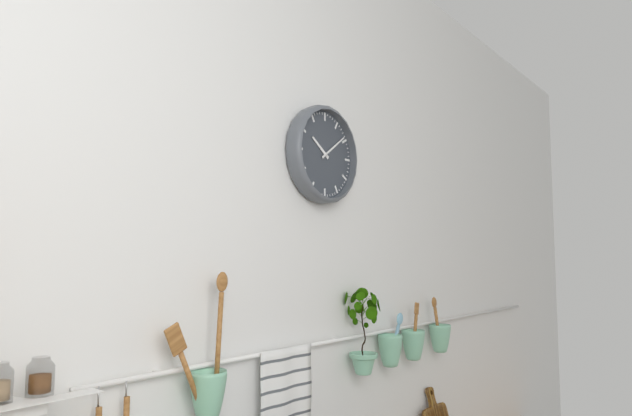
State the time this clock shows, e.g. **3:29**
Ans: **10:09**
